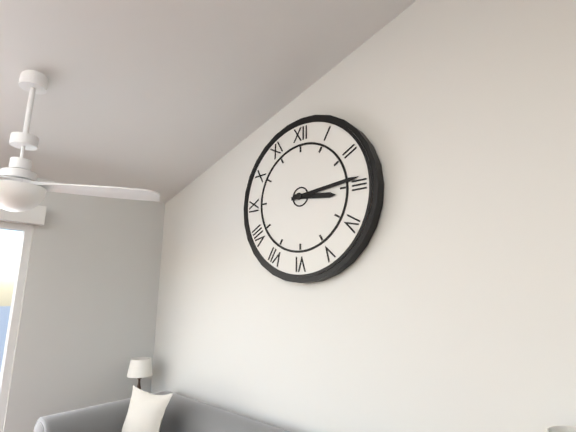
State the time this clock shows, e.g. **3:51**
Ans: **3:14**
